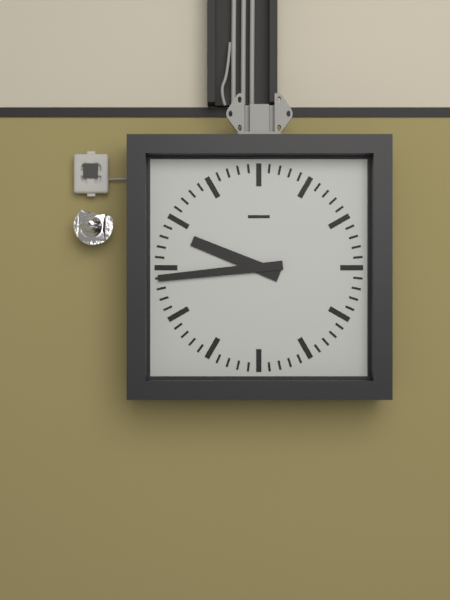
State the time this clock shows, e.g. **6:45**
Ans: **9:44**
